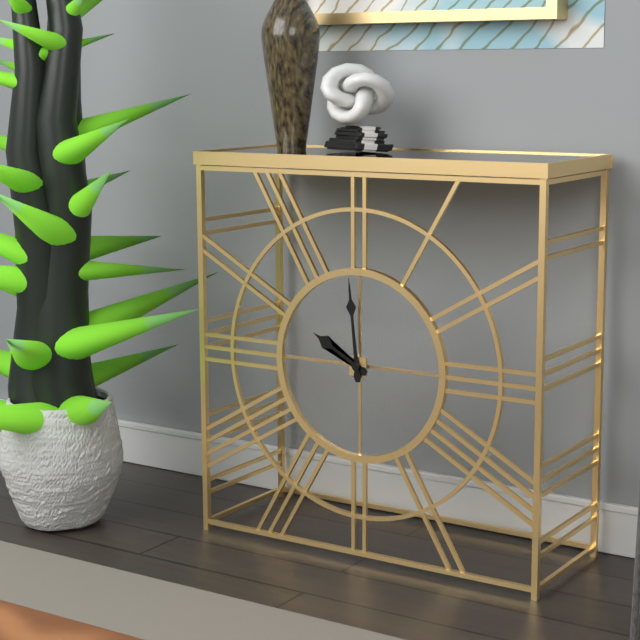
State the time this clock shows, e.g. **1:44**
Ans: **9:59**
